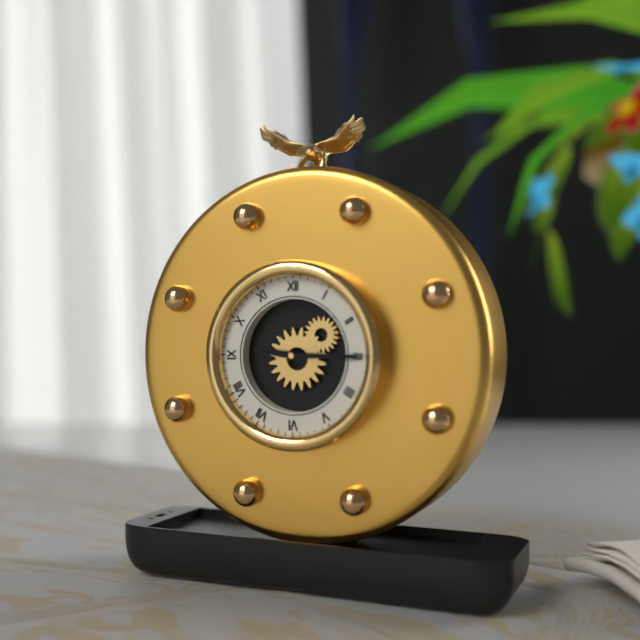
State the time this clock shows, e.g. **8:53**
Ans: **9:15**
